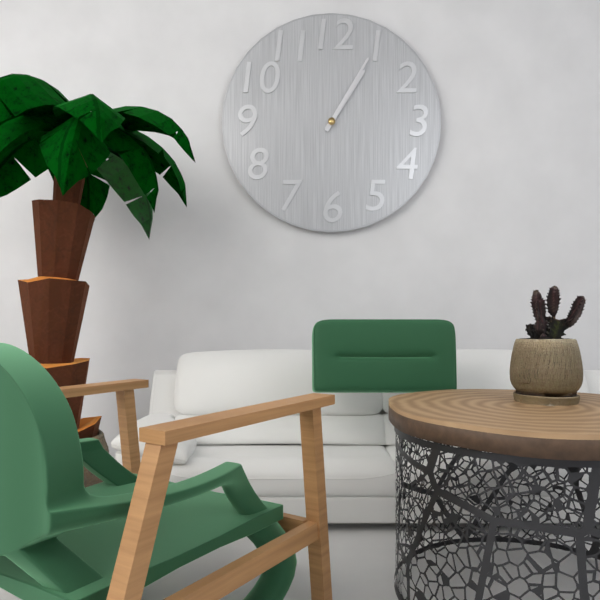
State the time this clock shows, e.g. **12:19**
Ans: **1:05**
